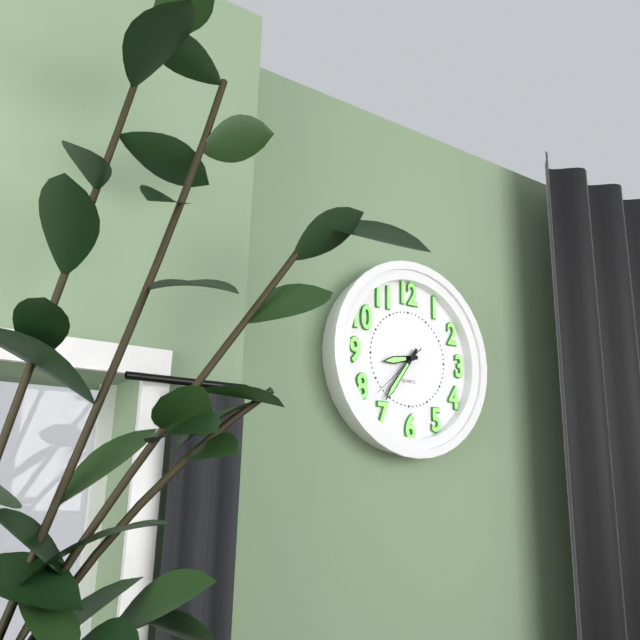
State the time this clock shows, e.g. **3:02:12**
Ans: **8:36:38**
